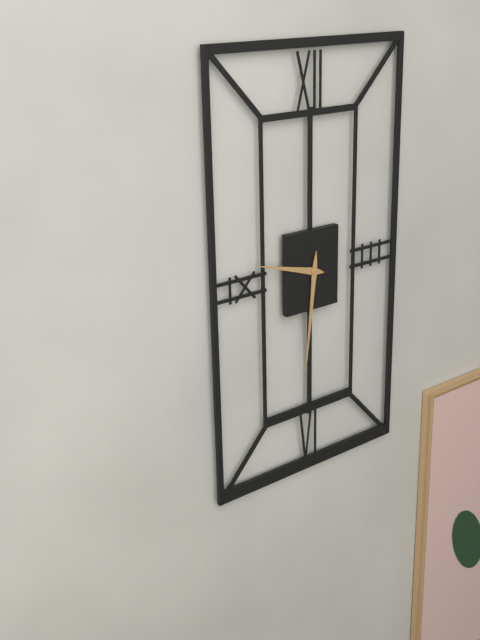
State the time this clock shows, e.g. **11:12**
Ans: **9:31**
